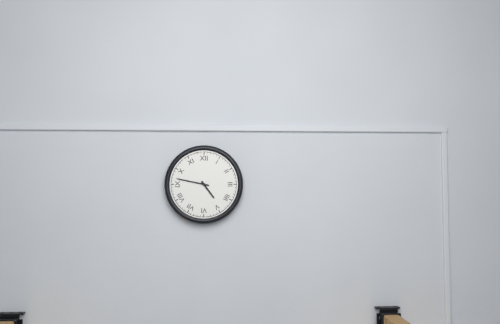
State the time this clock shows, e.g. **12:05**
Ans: **4:47**
